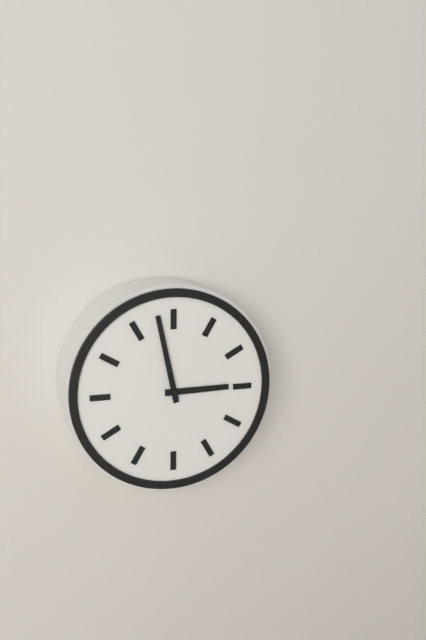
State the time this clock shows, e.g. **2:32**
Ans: **2:58**
